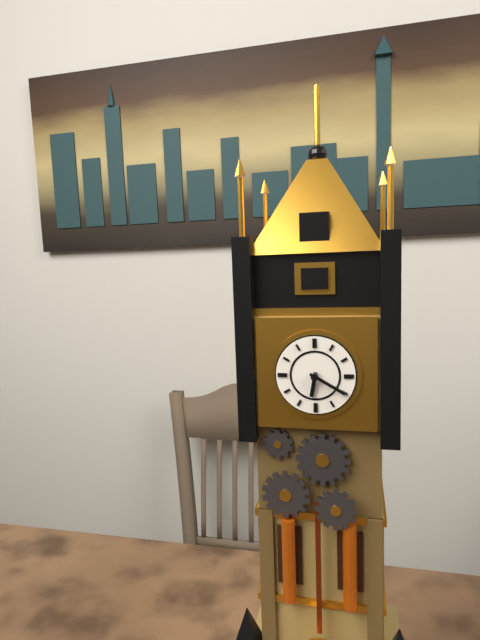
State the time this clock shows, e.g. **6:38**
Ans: **6:20**
